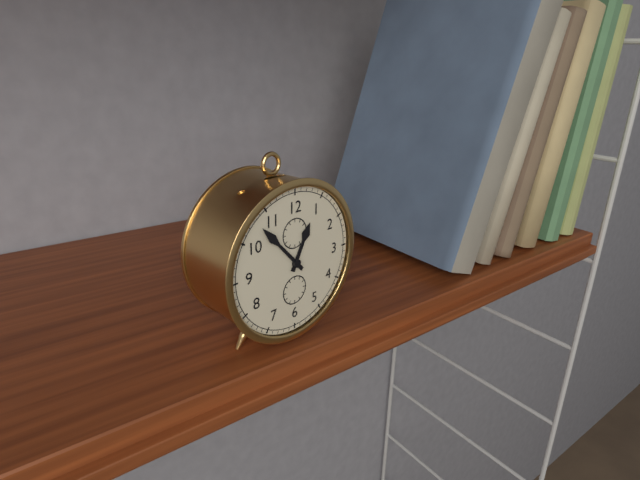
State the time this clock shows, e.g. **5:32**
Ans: **12:53**
